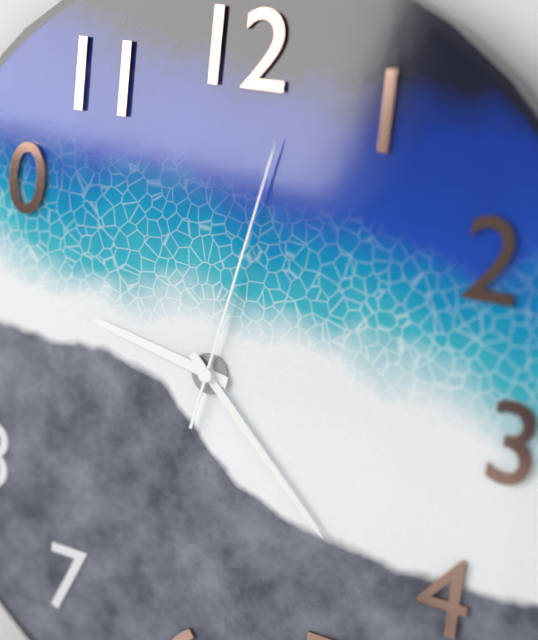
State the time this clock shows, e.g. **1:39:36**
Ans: **9:22:02**
